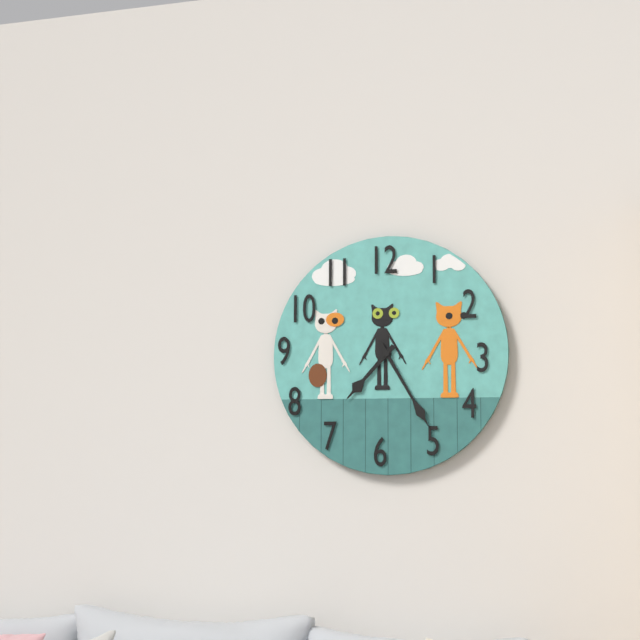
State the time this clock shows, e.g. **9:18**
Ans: **7:25**
